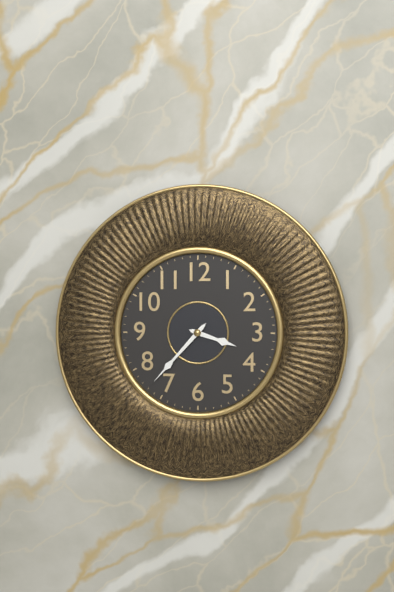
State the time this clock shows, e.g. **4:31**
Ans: **3:37**
